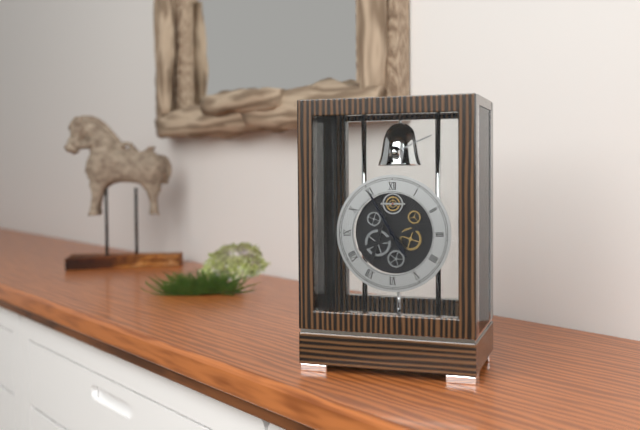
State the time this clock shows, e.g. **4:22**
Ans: **4:55**
